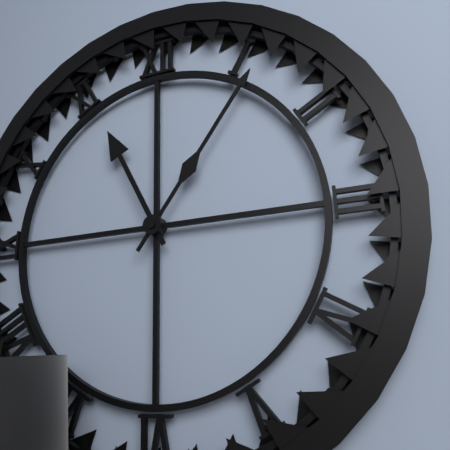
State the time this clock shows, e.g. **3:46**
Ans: **11:06**
